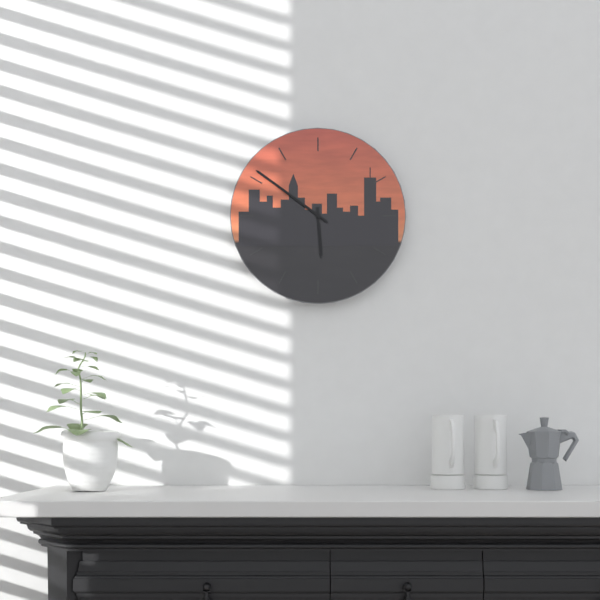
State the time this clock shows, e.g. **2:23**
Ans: **5:51**
